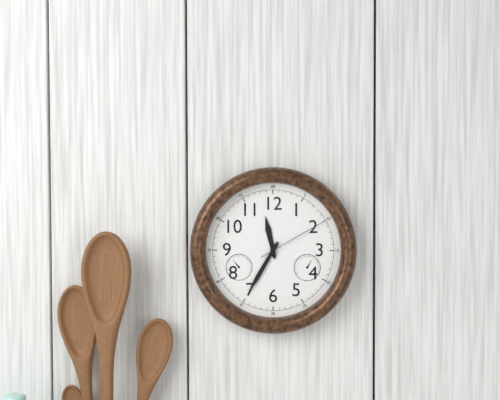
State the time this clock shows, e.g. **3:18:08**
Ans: **11:35:10**
